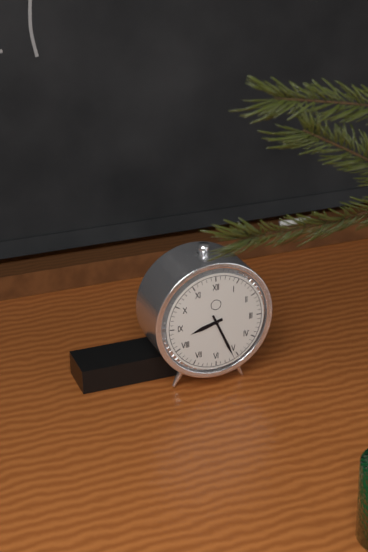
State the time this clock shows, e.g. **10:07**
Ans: **8:26**
